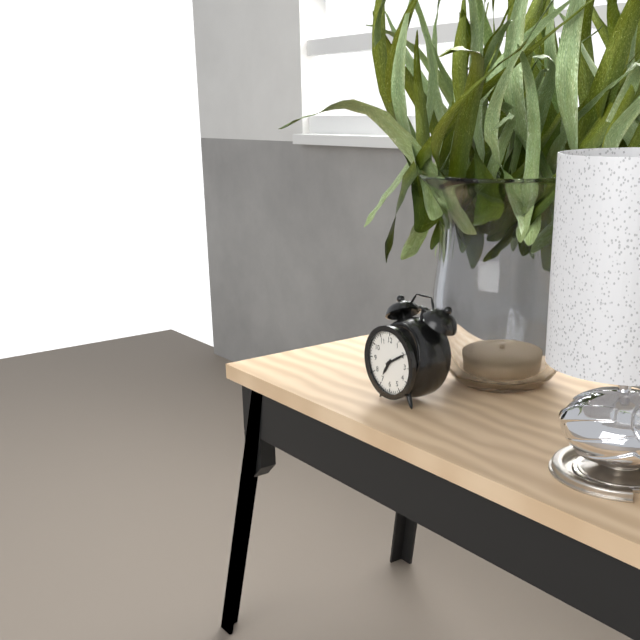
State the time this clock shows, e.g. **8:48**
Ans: **7:10**
